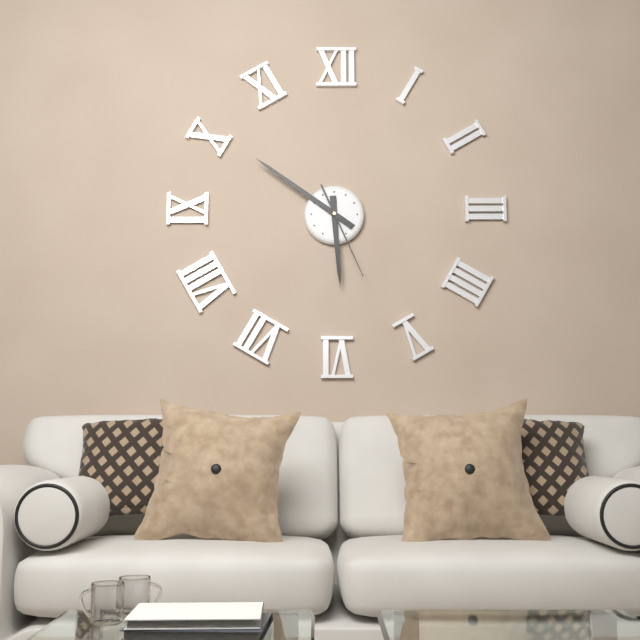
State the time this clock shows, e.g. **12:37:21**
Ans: **5:51:26**
